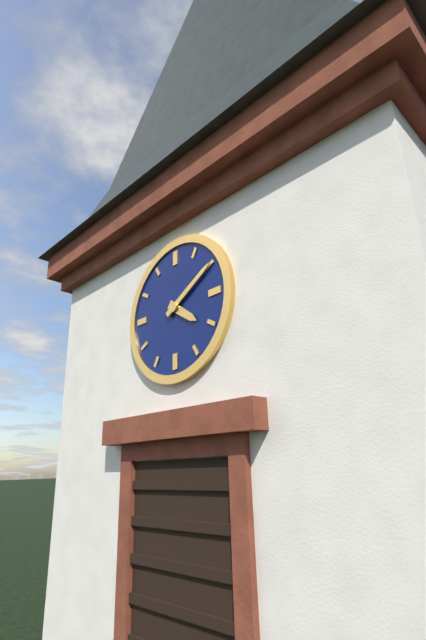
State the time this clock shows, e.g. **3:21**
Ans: **4:10**
